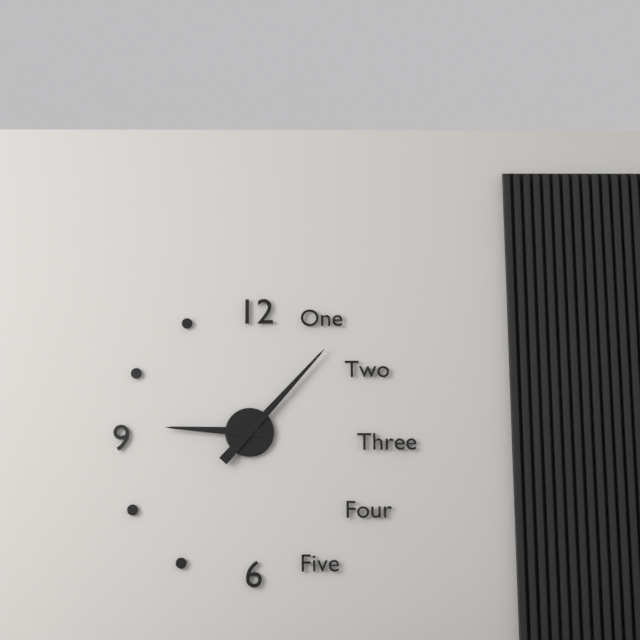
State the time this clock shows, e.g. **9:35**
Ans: **9:07**
